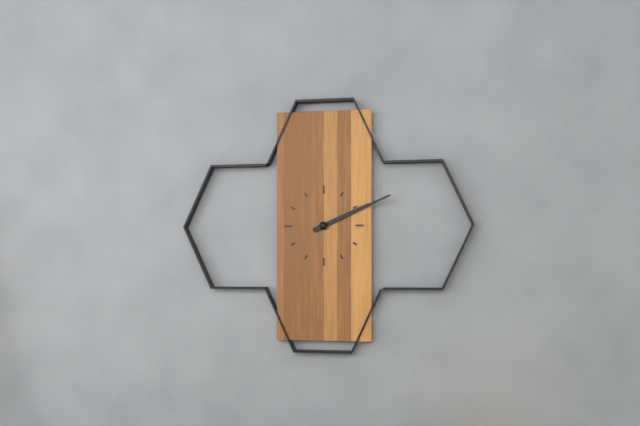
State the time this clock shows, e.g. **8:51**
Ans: **2:11**
